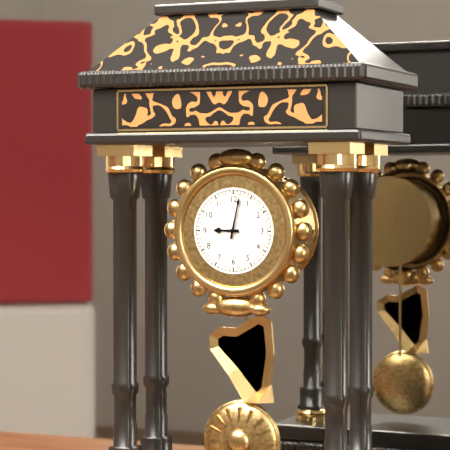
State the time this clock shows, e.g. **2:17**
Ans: **9:02**
